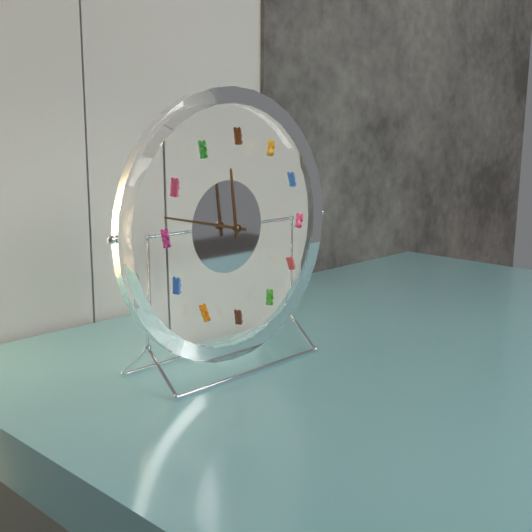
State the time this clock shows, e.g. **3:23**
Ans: **11:47**
